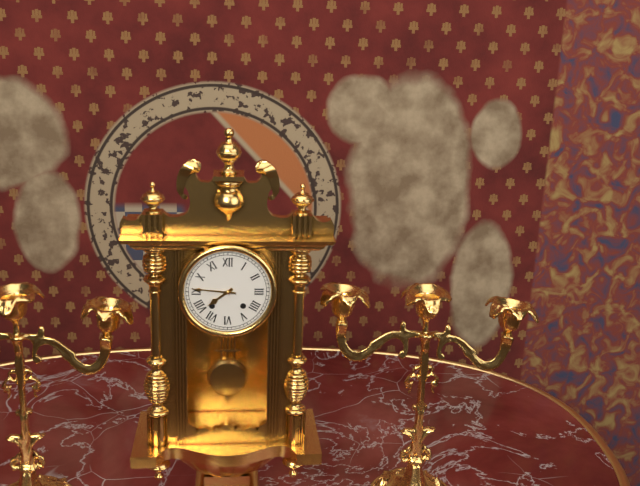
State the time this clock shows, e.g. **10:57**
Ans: **7:46**
